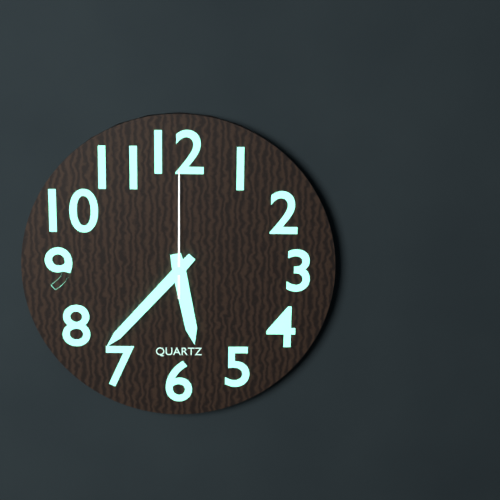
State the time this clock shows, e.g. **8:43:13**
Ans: **5:37:00**
